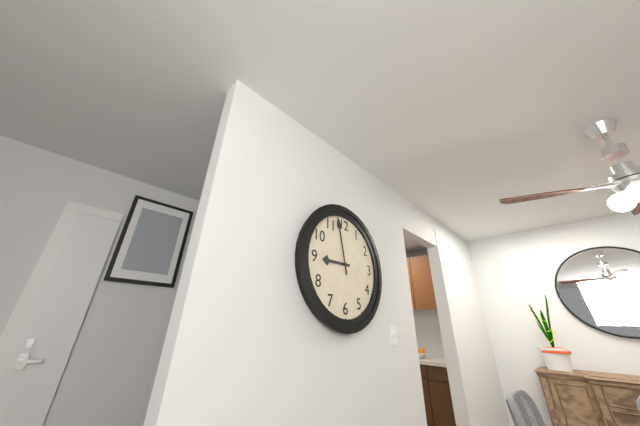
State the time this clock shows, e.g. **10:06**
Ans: **8:58**
